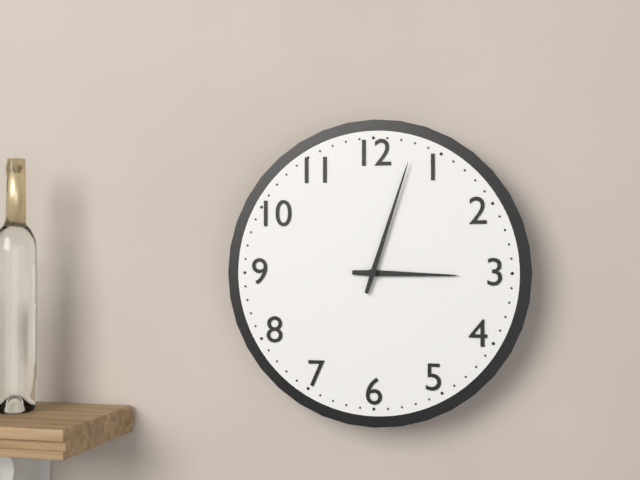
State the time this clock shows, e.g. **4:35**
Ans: **3:03**
